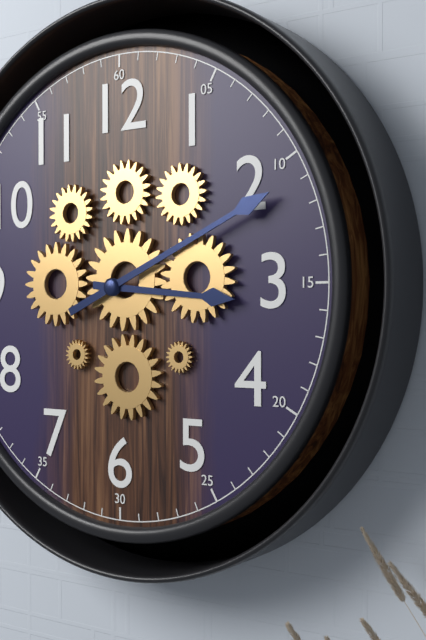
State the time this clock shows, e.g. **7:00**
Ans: **3:11**
